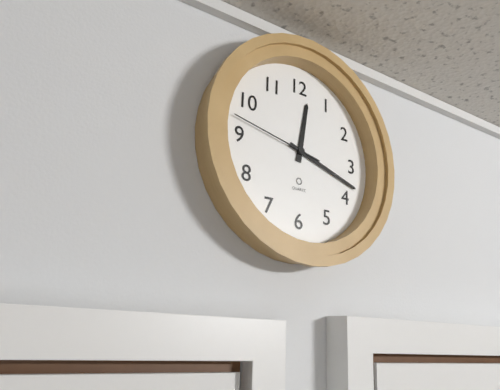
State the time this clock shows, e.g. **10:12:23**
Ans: **12:18:47**
